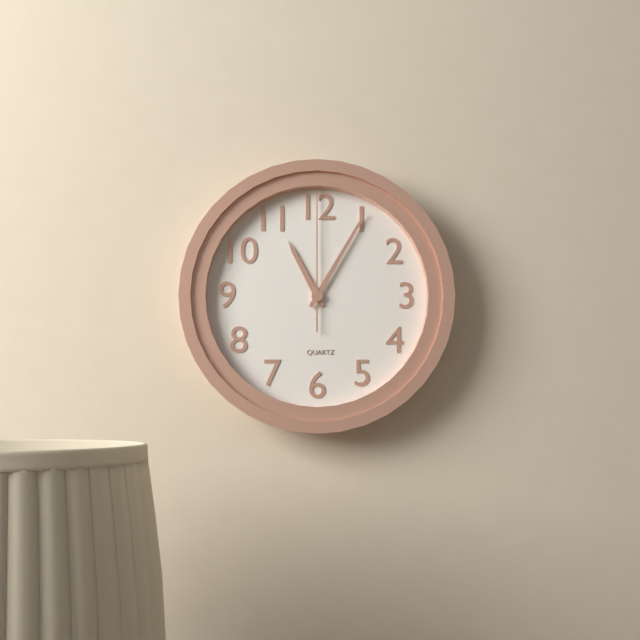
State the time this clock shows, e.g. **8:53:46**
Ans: **11:05:00**
